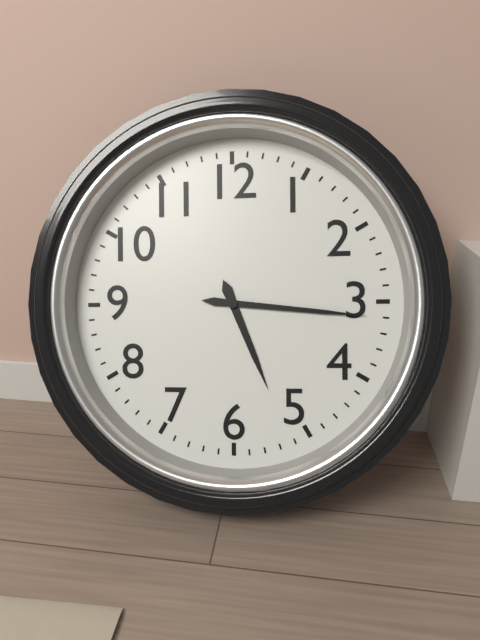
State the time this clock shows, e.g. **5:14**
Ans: **5:16**
